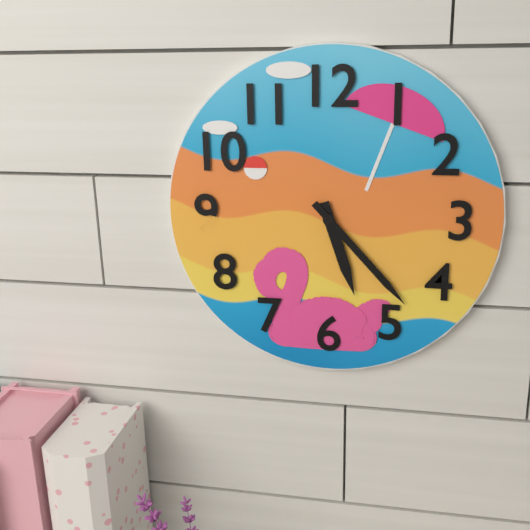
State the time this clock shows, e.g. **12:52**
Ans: **5:23**
